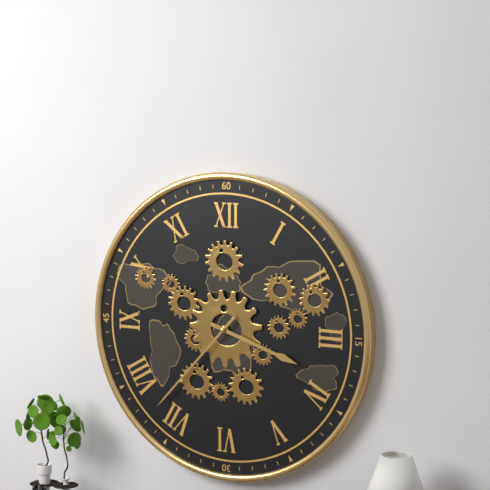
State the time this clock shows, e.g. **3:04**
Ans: **3:37**
